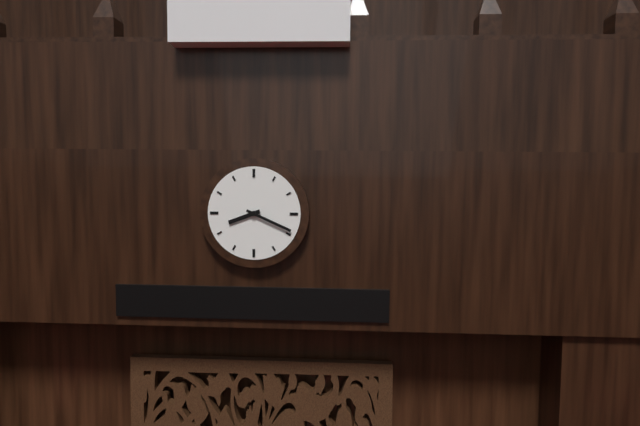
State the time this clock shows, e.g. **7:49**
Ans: **8:19**
